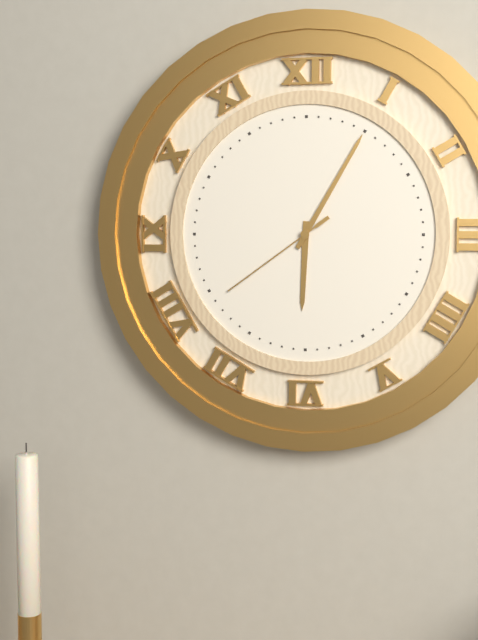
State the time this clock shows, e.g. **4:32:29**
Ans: **6:05:39**
